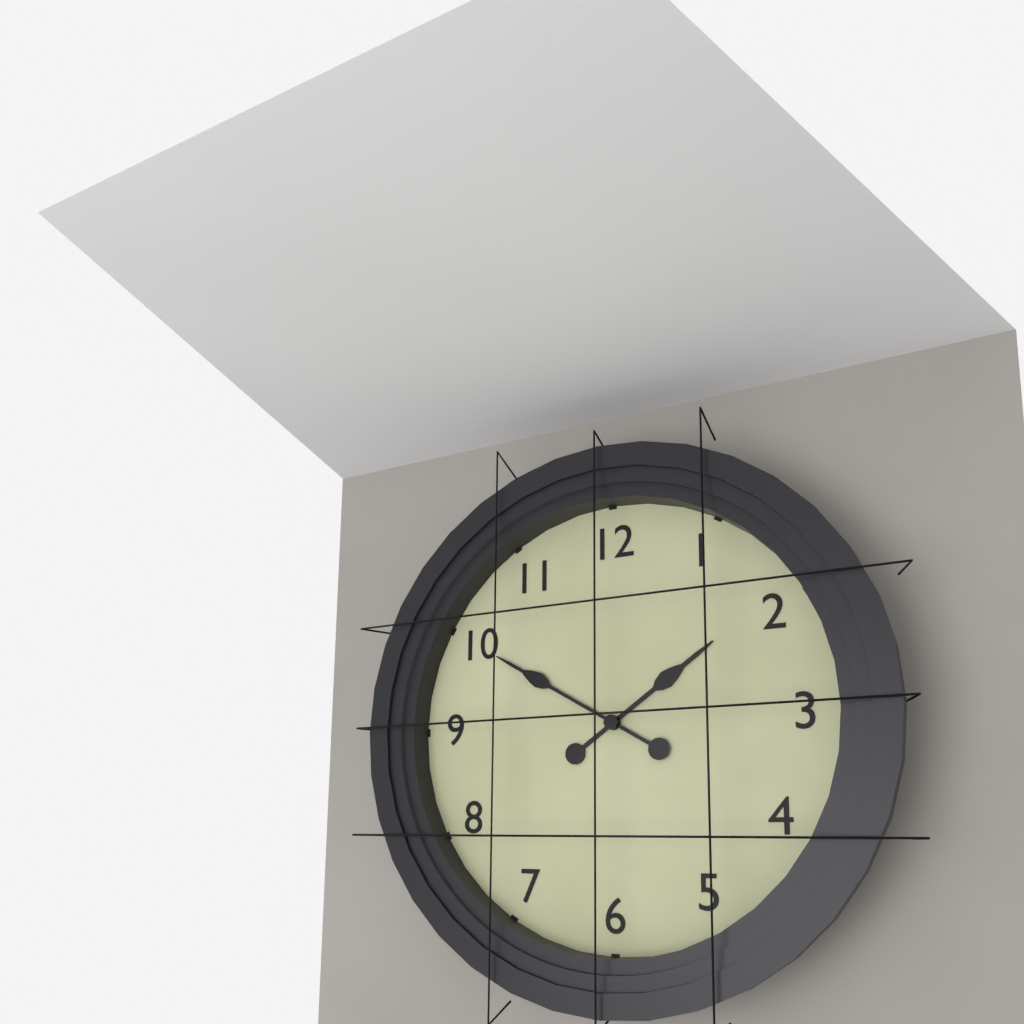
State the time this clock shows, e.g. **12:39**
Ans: **1:50**
